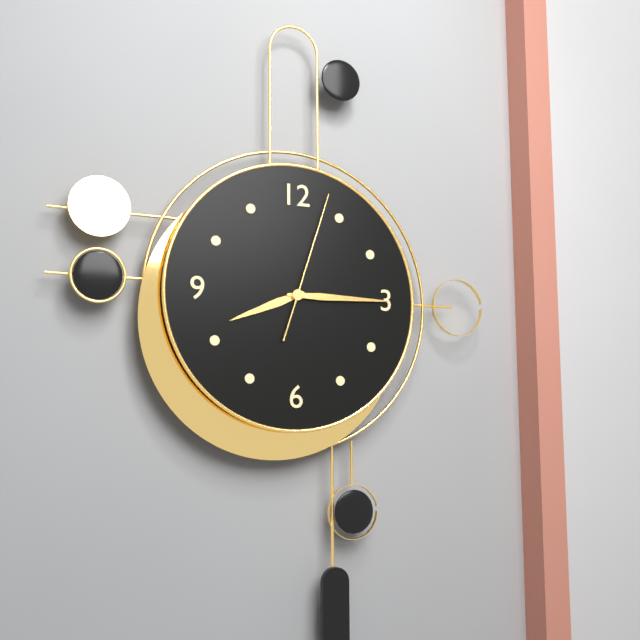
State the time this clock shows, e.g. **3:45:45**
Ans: **8:15:03**
